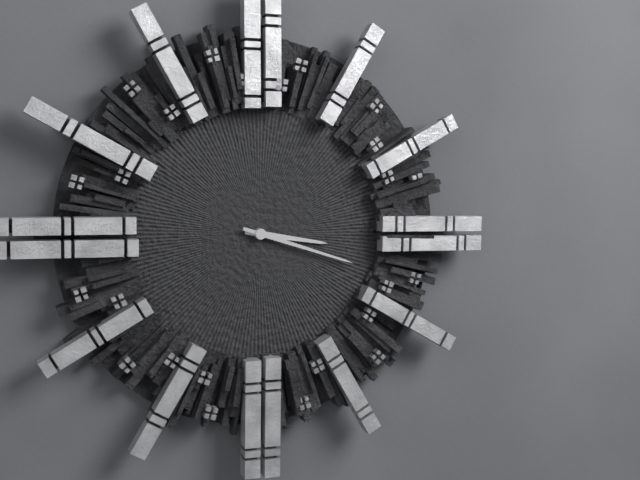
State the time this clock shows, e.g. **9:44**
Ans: **3:18**
